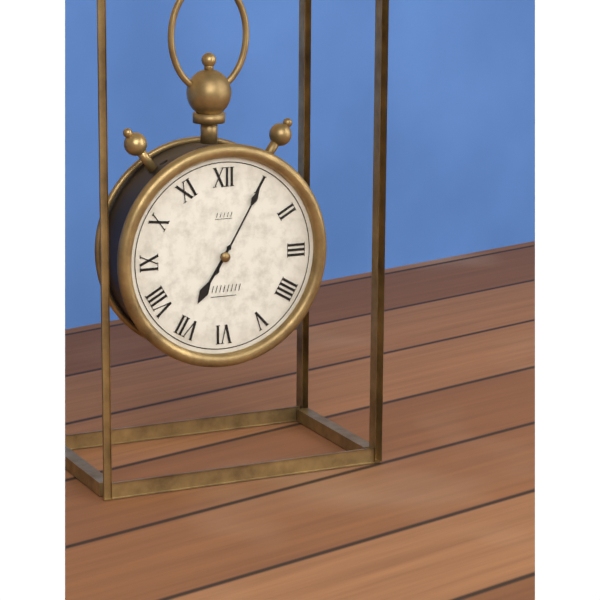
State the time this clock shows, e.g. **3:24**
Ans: **7:05**
